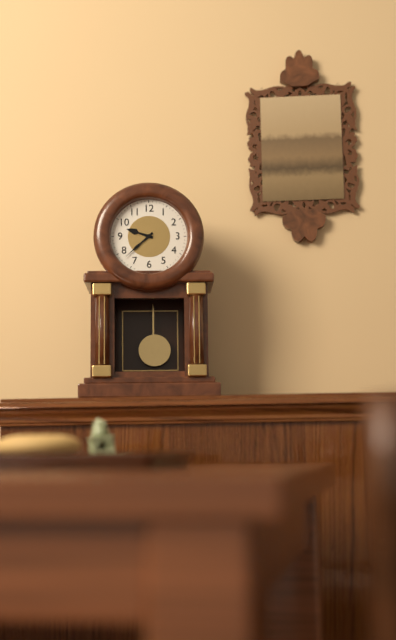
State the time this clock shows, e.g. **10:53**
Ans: **9:38**
